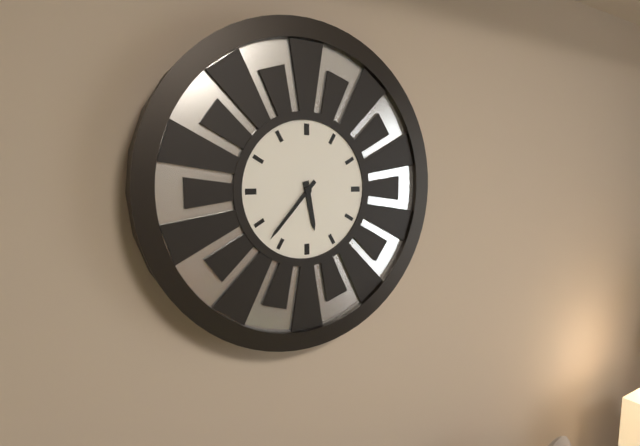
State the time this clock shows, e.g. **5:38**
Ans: **5:37**
